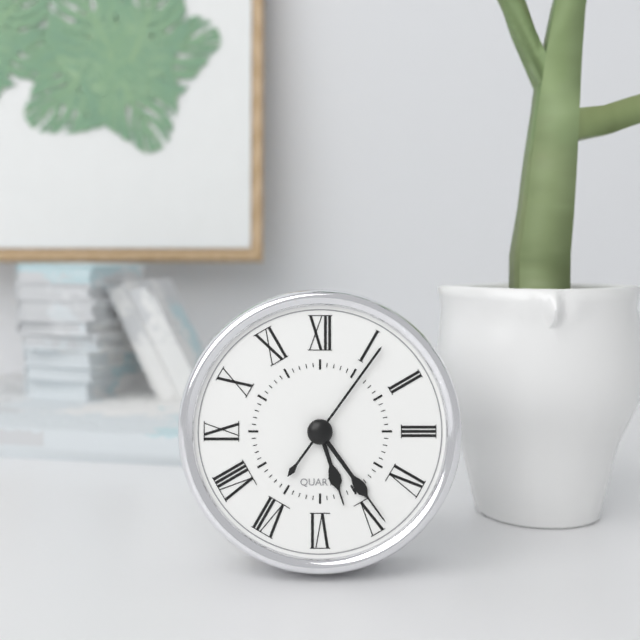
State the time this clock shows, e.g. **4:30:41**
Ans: **5:24:06**
